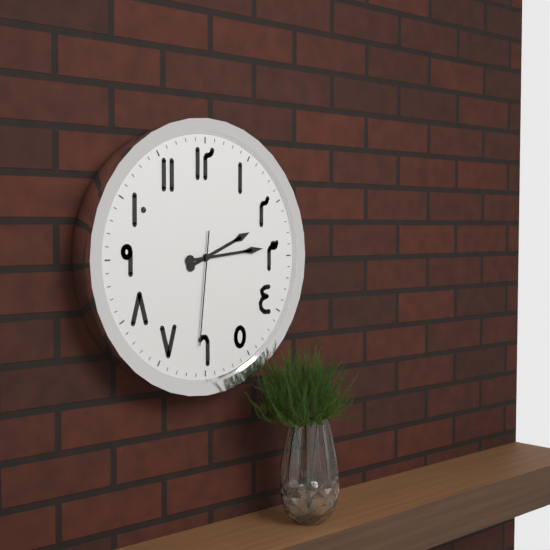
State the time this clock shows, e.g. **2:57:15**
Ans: **2:14:31**
